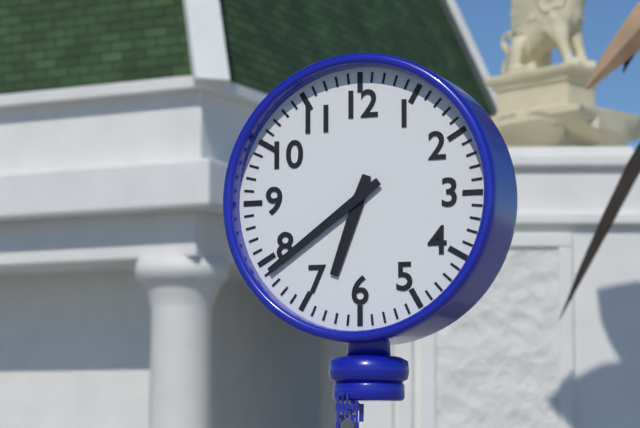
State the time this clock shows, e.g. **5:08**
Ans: **6:39**
